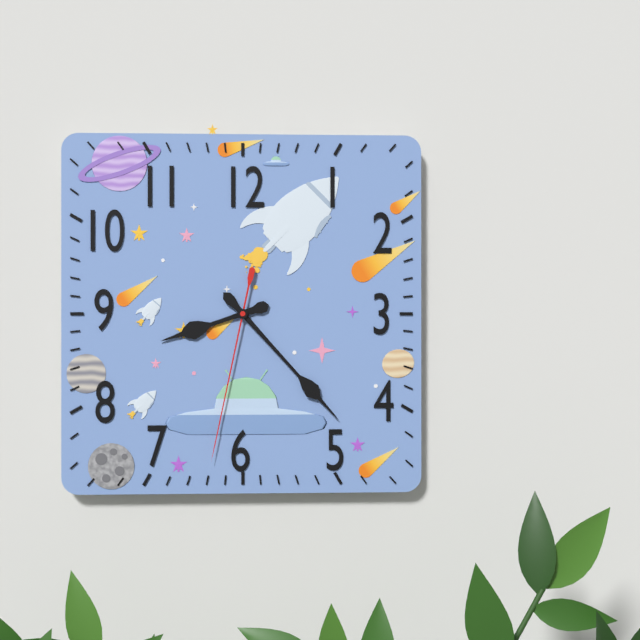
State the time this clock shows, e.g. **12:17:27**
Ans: **8:23:32**
